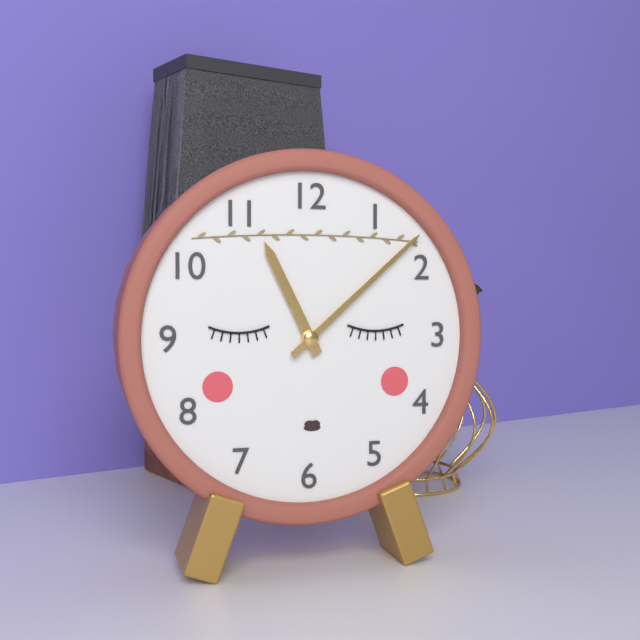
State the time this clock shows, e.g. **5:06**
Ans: **11:08**
